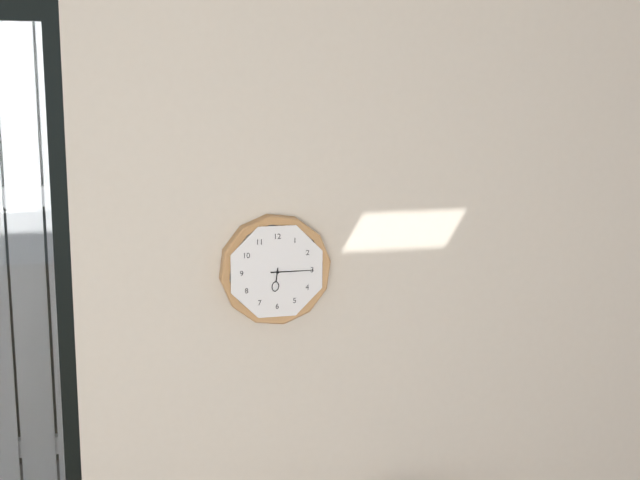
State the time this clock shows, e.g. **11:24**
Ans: **6:15**
